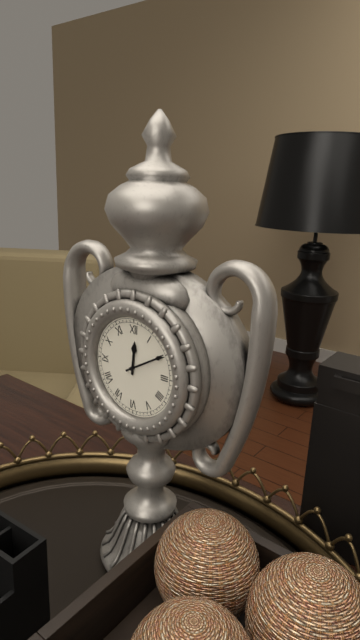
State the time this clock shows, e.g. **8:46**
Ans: **12:10**
